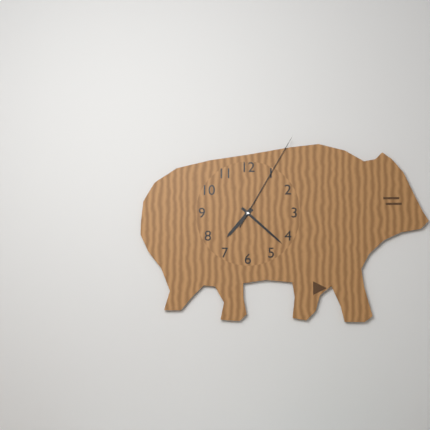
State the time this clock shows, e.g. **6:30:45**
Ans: **7:22:05**
